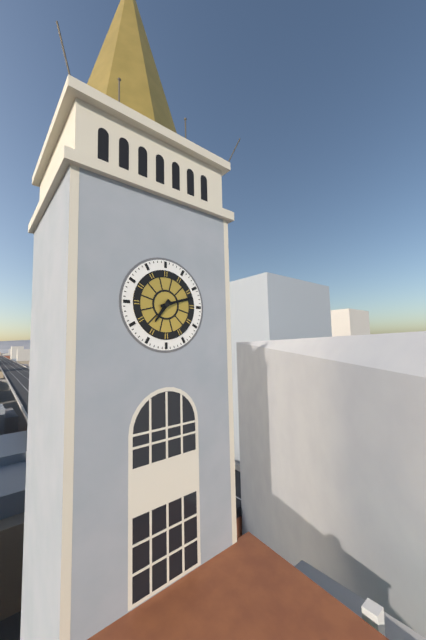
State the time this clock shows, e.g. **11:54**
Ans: **7:12**
